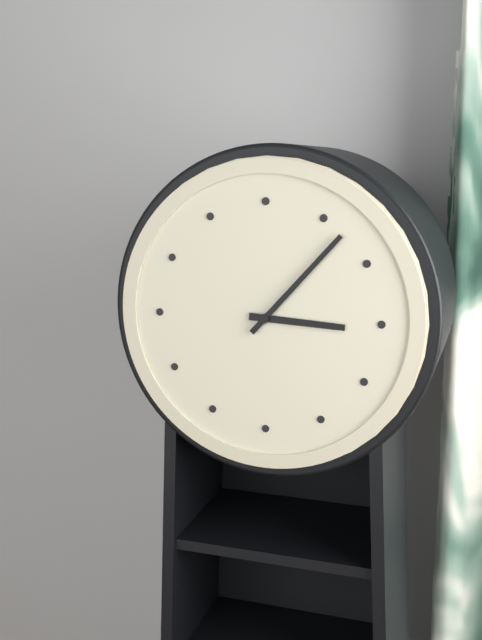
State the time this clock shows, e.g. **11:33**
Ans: **3:07**
